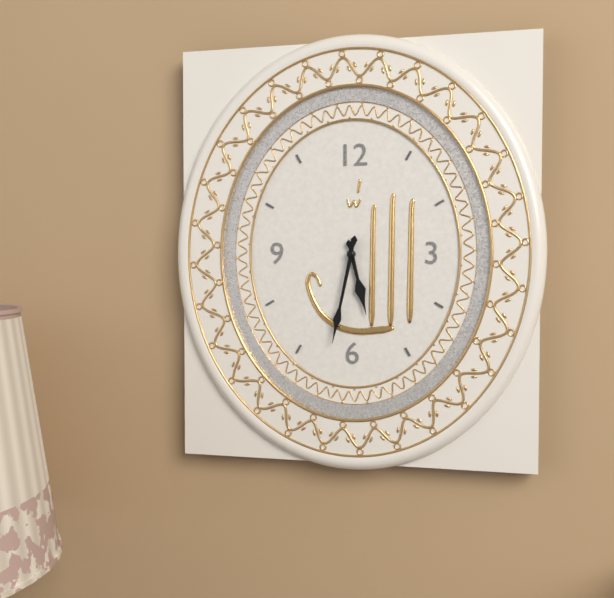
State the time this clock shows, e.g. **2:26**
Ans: **5:32**
